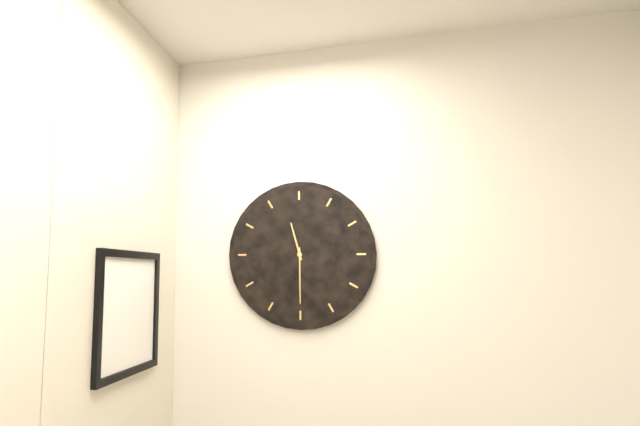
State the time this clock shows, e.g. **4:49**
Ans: **11:30**
